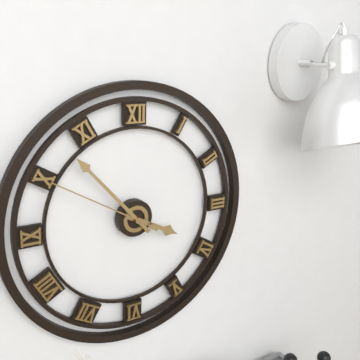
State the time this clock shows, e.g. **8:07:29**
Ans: **3:53:50**
